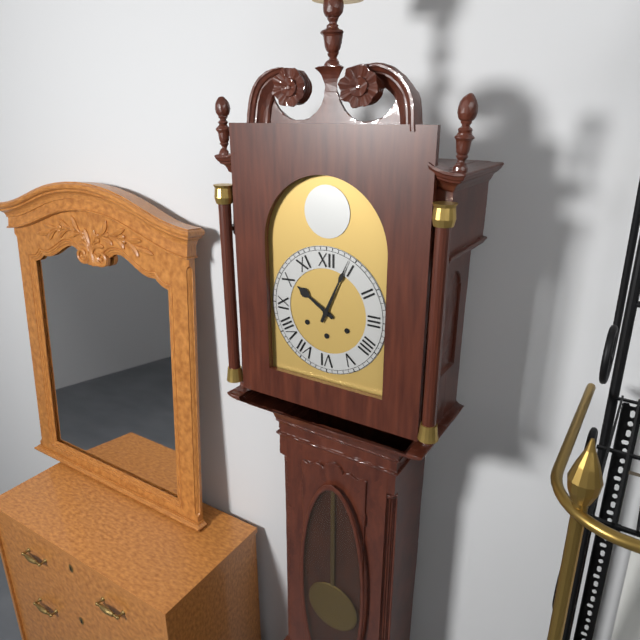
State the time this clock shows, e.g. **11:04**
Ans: **10:04**
